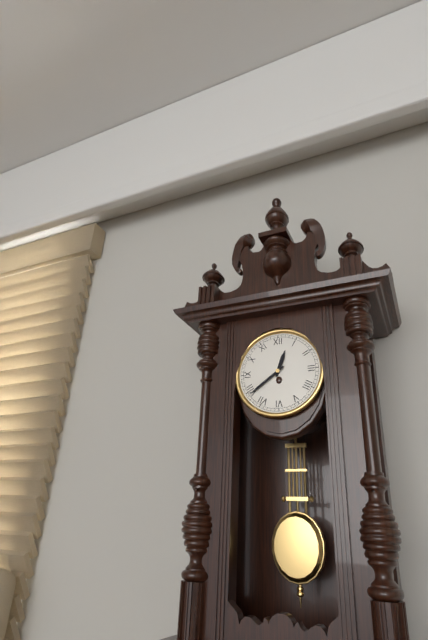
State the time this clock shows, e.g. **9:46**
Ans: **12:39**
